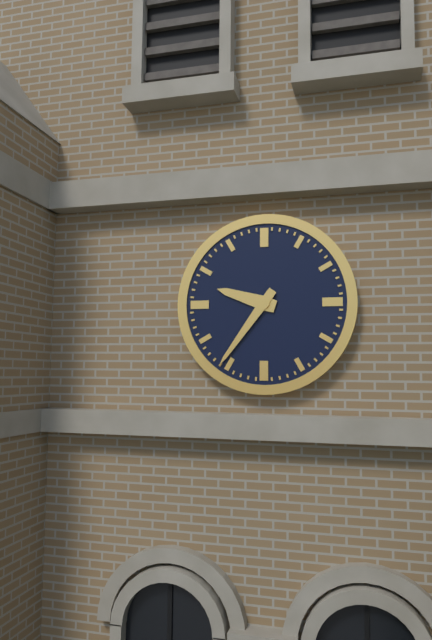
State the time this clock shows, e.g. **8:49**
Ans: **9:36**
